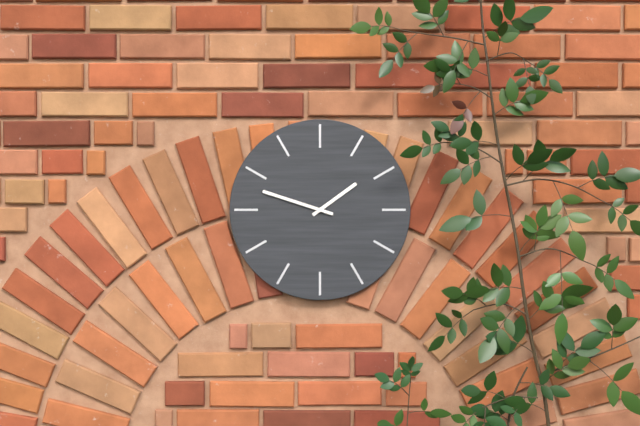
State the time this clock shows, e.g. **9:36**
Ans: **1:48**
